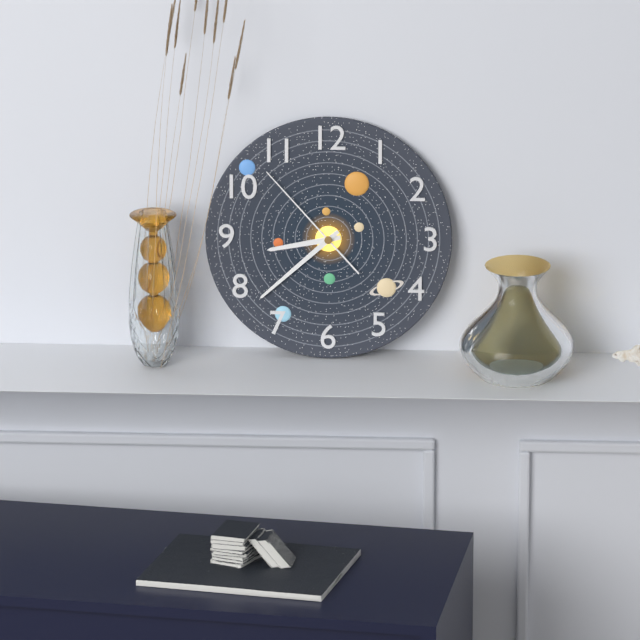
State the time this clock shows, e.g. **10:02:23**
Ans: **8:38:53**
